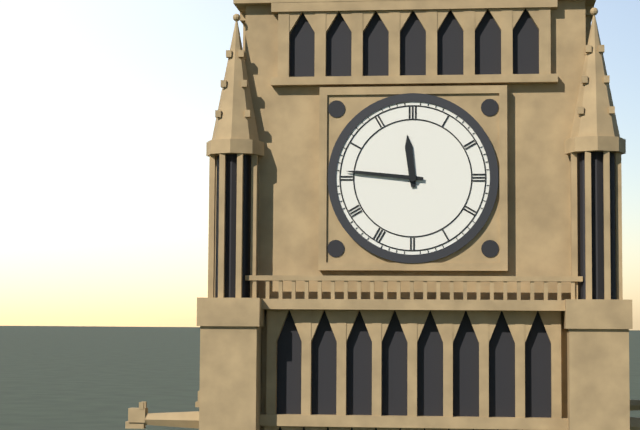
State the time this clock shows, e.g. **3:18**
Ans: **11:46**
